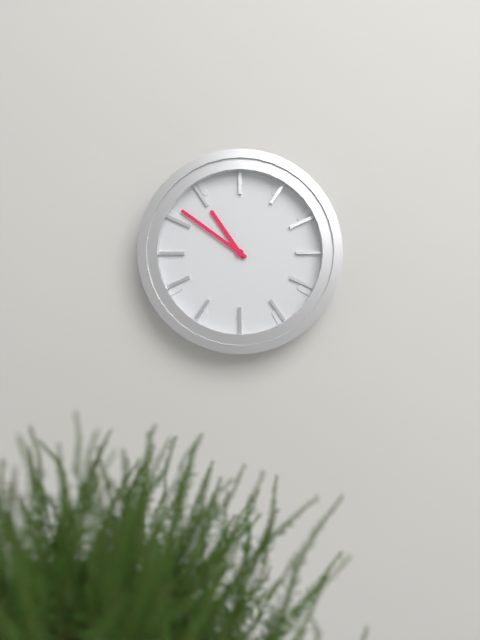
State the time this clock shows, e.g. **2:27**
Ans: **10:51**
